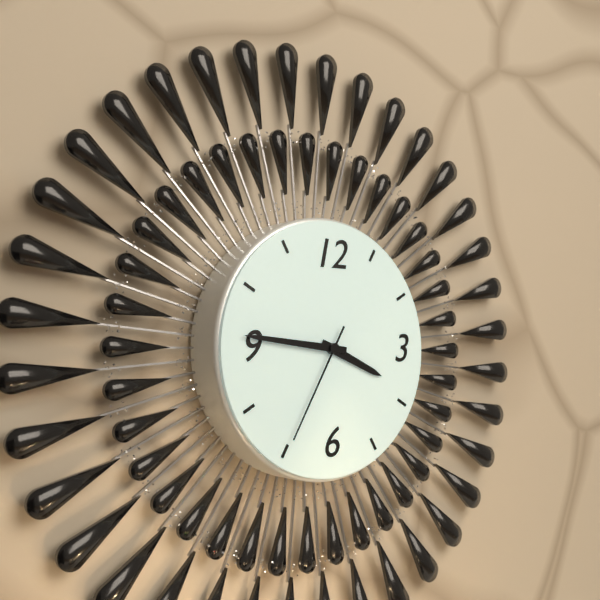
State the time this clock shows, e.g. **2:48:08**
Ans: **3:46:35**
